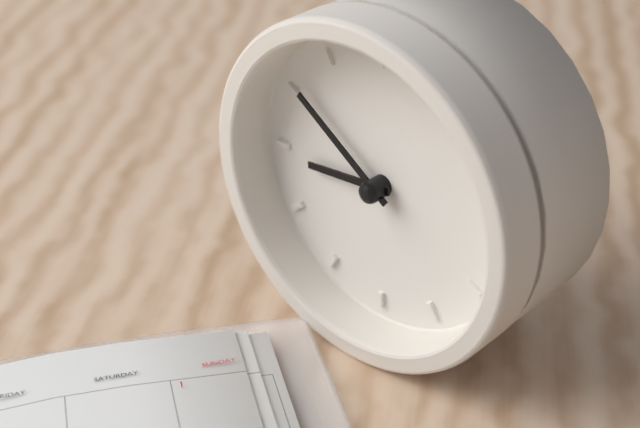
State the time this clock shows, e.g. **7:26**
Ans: **8:51**
